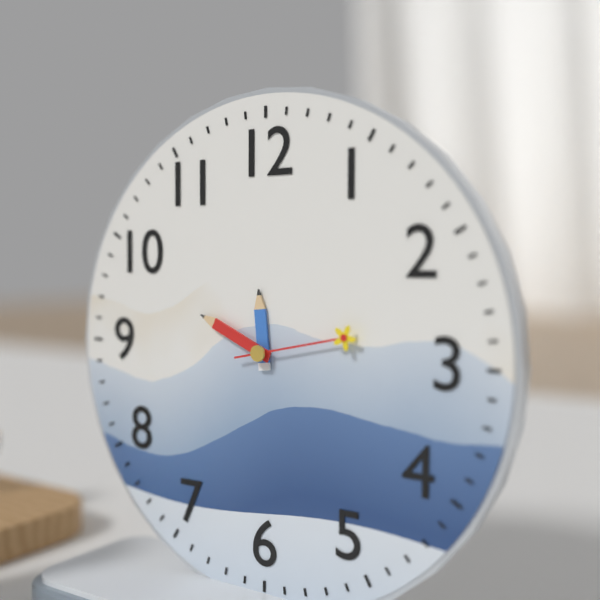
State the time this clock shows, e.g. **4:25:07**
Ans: **11:49:13**
